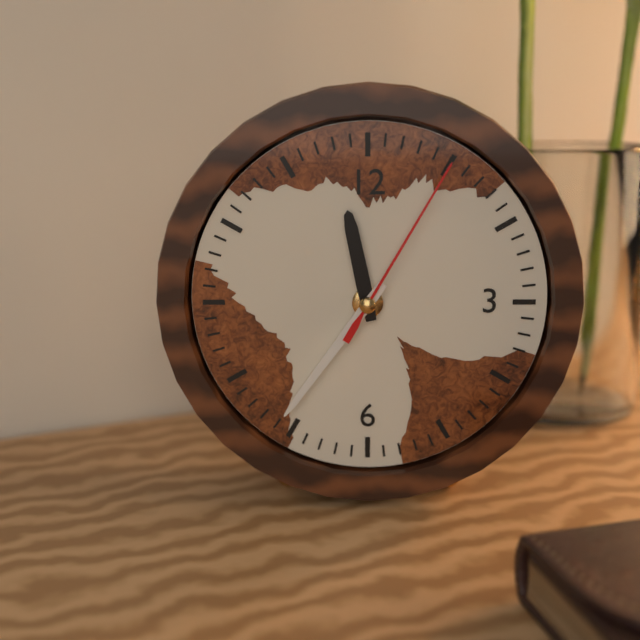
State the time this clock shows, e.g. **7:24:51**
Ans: **11:36:05**
